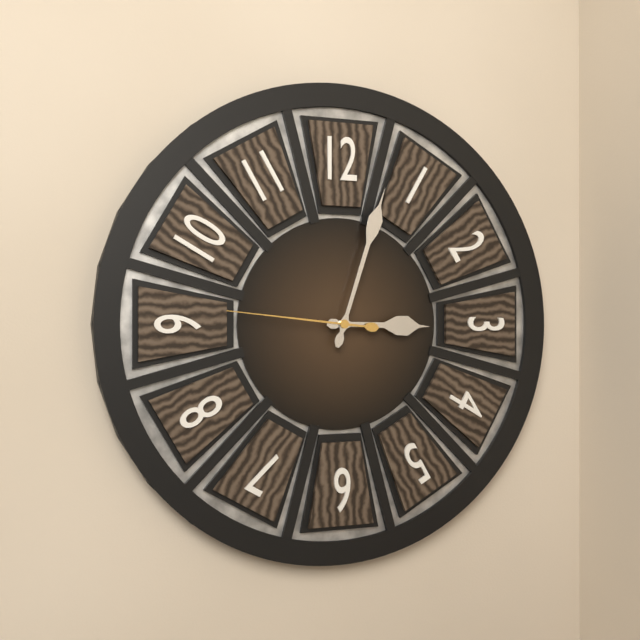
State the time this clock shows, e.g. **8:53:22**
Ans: **3:03:46**
